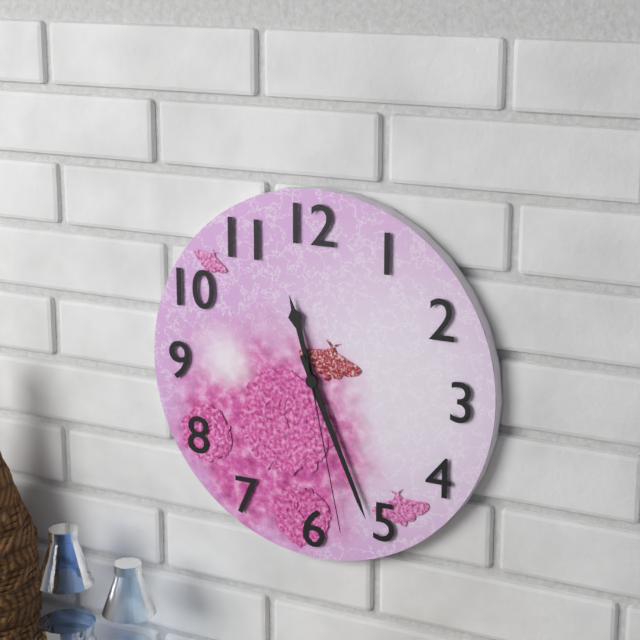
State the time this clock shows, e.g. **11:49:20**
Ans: **11:26:28**
